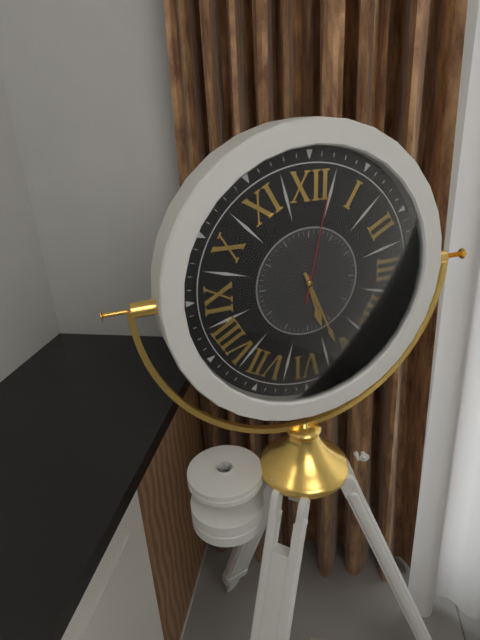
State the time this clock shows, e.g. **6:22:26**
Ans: **5:26:02**
